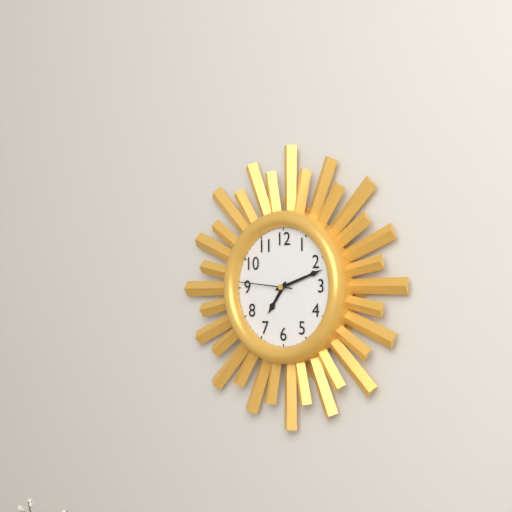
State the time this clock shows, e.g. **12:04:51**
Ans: **7:12:46**
